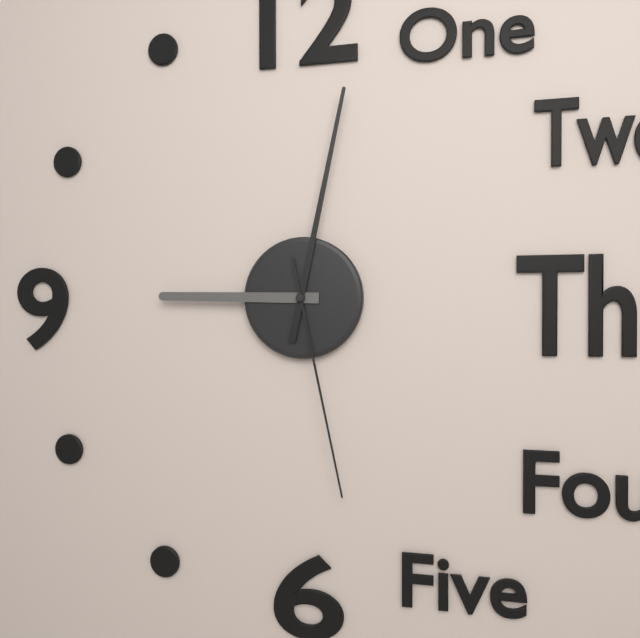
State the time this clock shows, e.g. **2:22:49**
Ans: **9:02:28**
